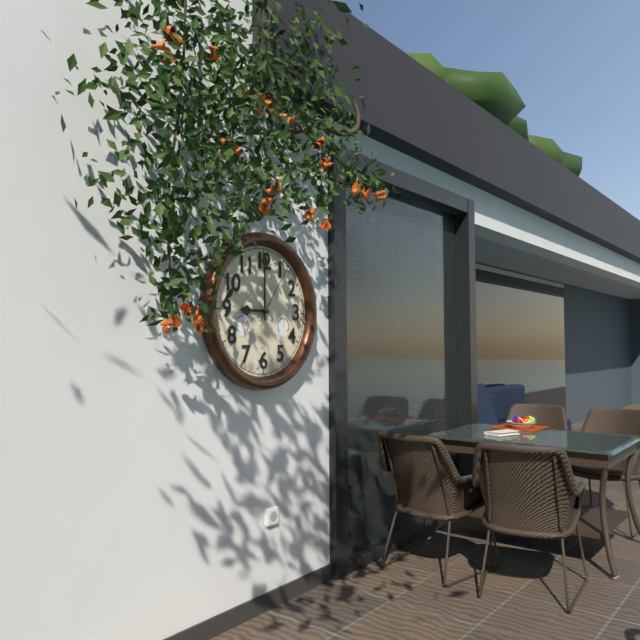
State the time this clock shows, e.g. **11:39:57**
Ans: **9:00:06**
